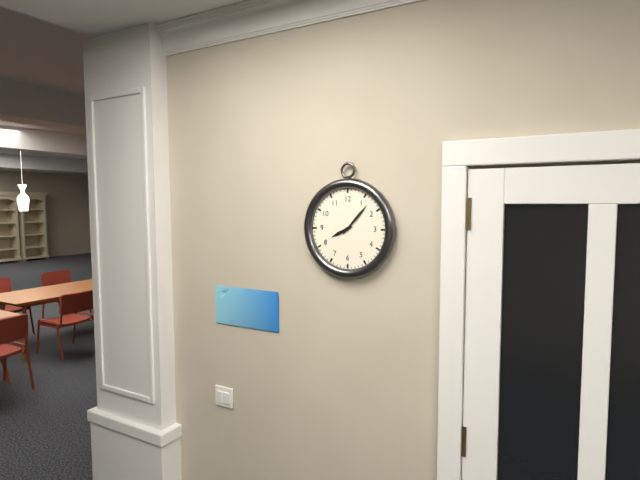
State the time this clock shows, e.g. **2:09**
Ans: **8:07**
